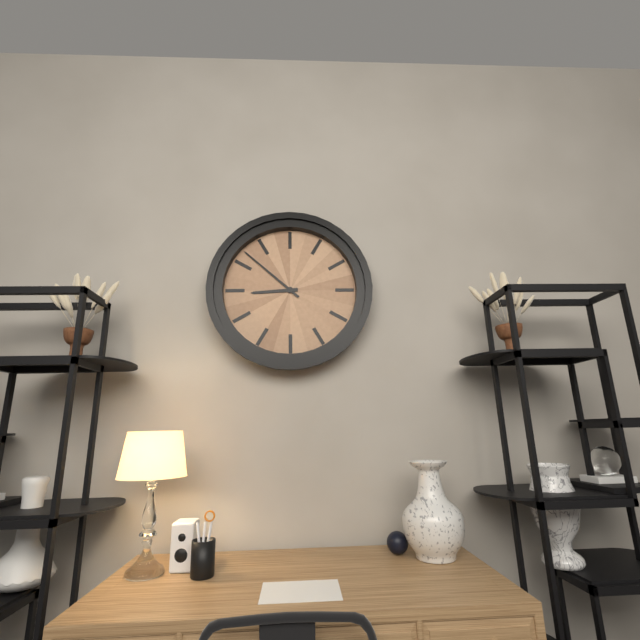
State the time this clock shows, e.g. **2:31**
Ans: **8:52**
